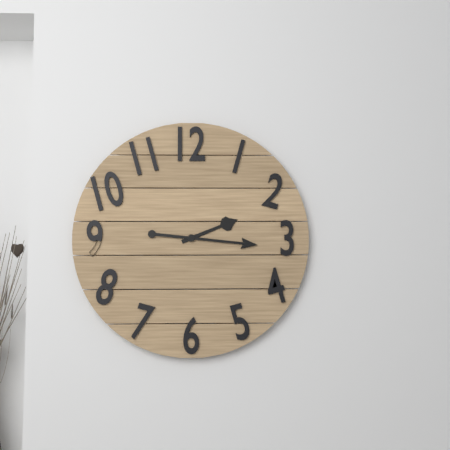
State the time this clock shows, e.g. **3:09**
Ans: **2:16**
